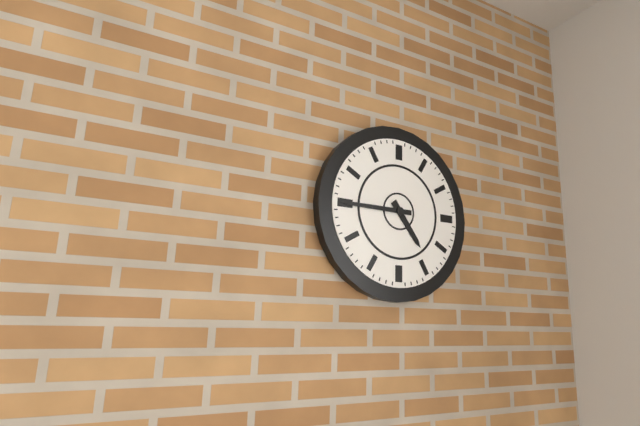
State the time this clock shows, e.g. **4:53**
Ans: **4:45**
